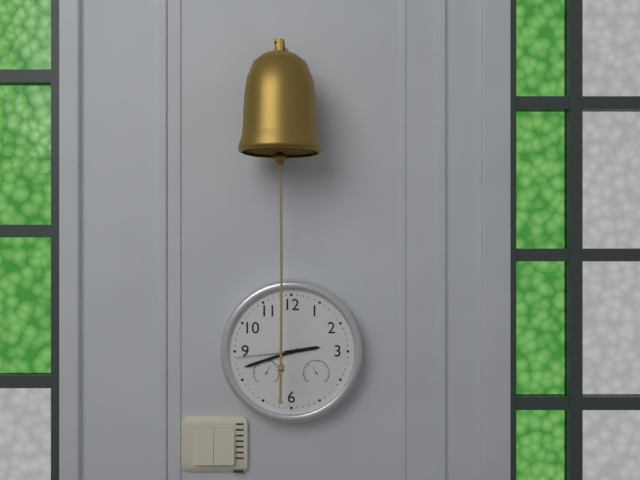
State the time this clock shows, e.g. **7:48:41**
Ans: **2:42:44**
